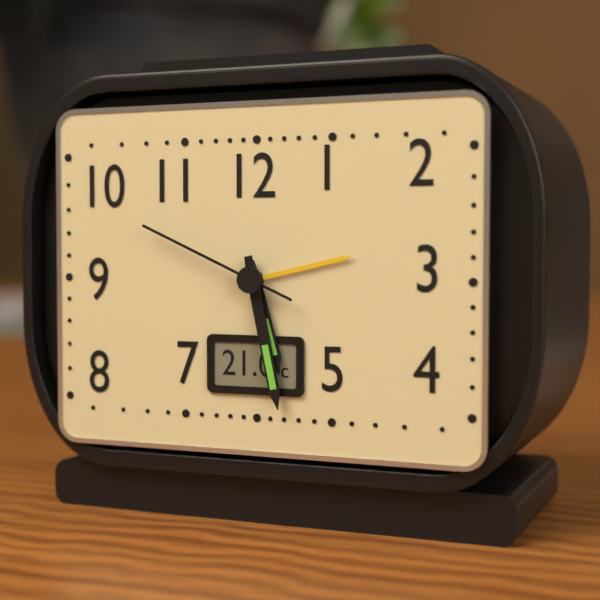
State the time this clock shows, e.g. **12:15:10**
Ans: **5:28:49**
